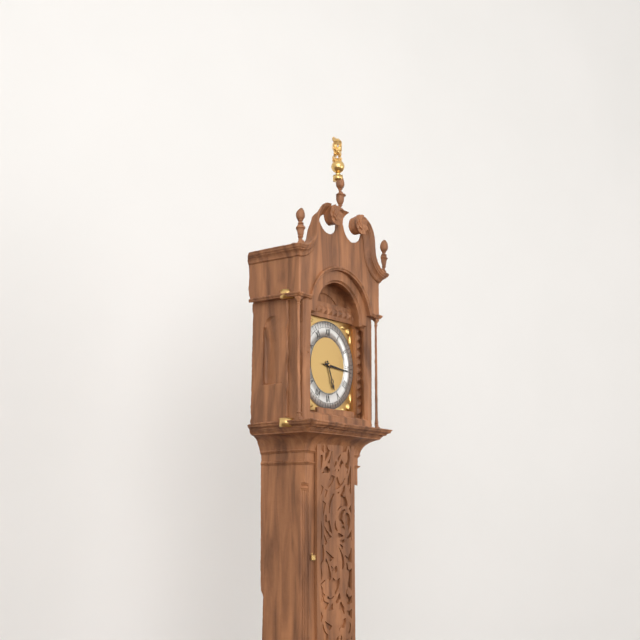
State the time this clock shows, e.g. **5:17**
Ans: **5:16**
